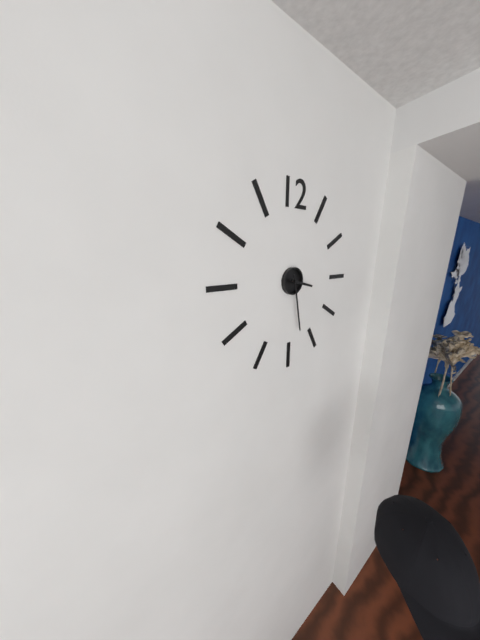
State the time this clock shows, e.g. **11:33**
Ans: **3:28**
